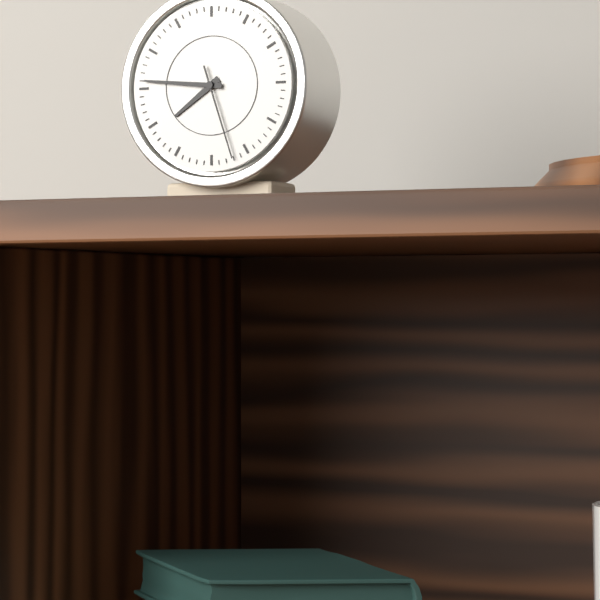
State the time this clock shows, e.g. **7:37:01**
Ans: **7:46:27**
